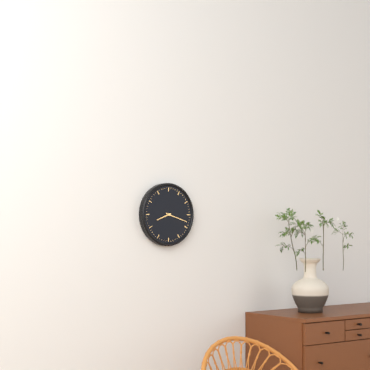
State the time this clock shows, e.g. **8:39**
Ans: **8:18**
